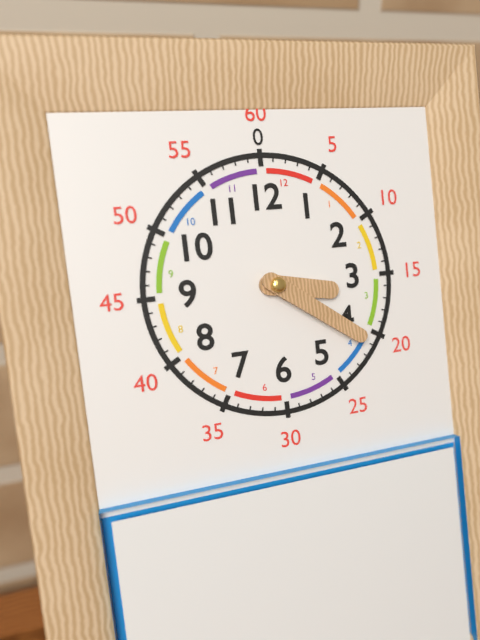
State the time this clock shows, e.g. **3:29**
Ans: **3:21**
